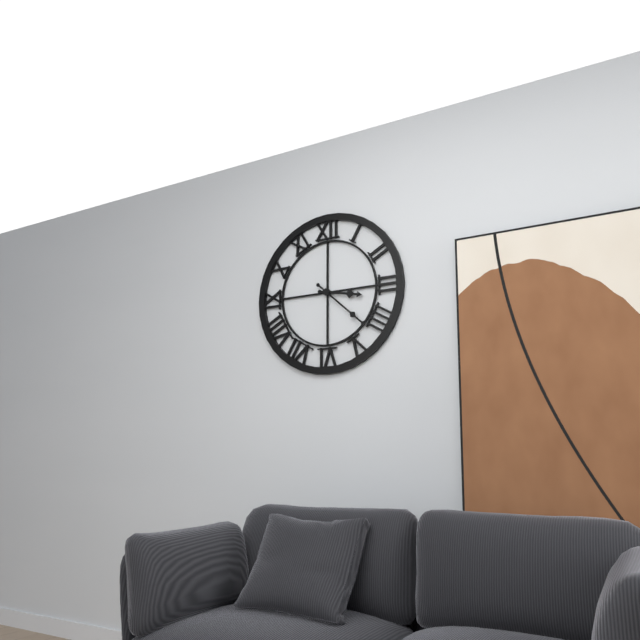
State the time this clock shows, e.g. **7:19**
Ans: **3:22**
